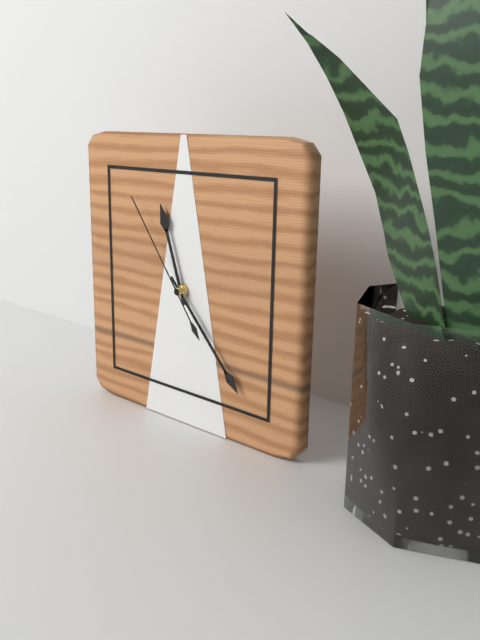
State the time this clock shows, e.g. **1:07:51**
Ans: **11:23:54**
